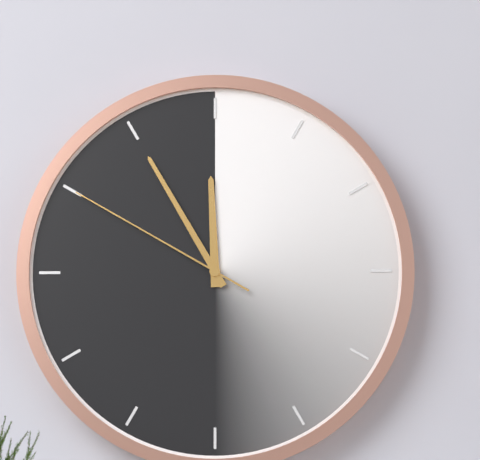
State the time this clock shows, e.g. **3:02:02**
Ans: **11:55:50**
